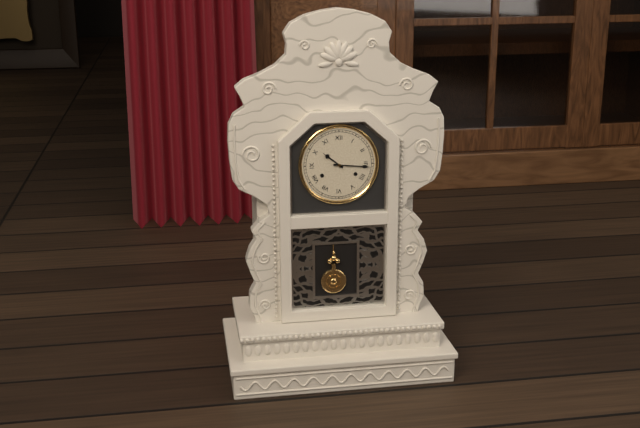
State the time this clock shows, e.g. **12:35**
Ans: **10:16**
